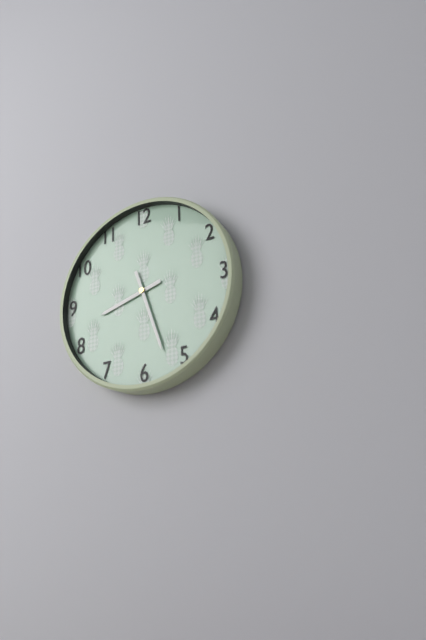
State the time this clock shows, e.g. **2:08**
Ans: **8:27**
